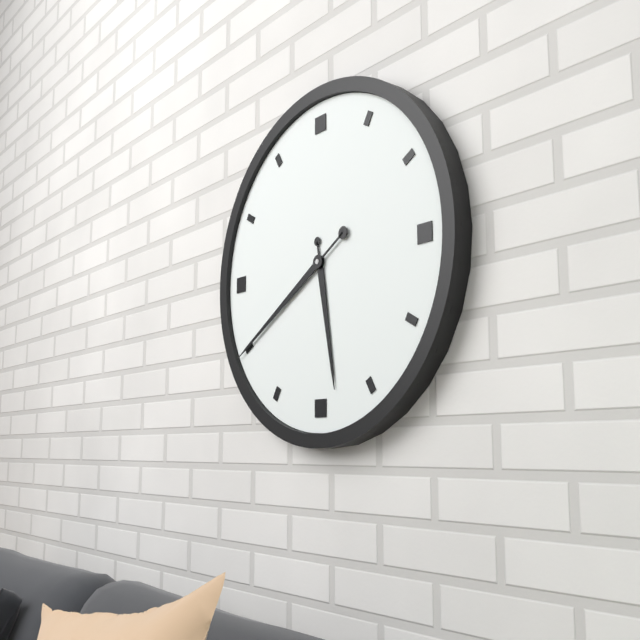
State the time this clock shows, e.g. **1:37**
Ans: **5:40**
